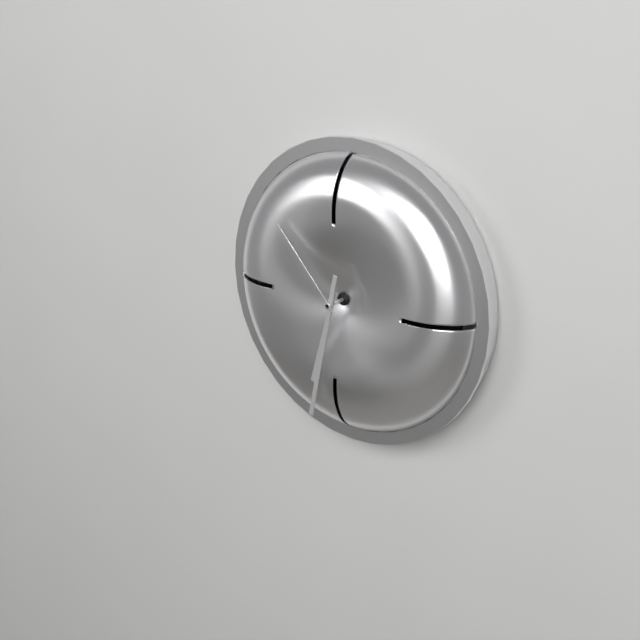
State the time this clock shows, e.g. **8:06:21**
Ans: **6:32:53**
